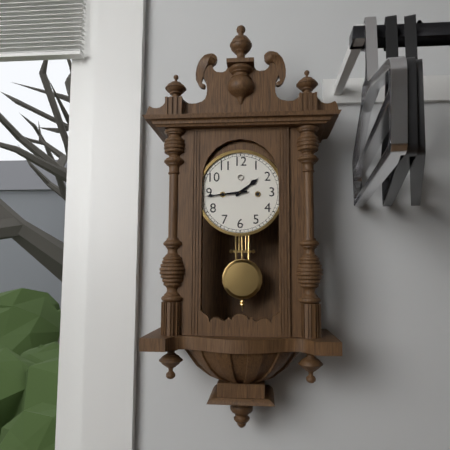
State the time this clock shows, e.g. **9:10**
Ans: **1:44**
